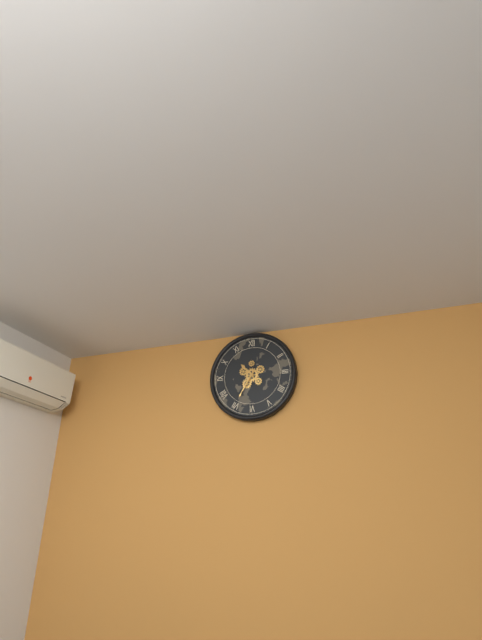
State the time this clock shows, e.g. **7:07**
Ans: **10:35**
